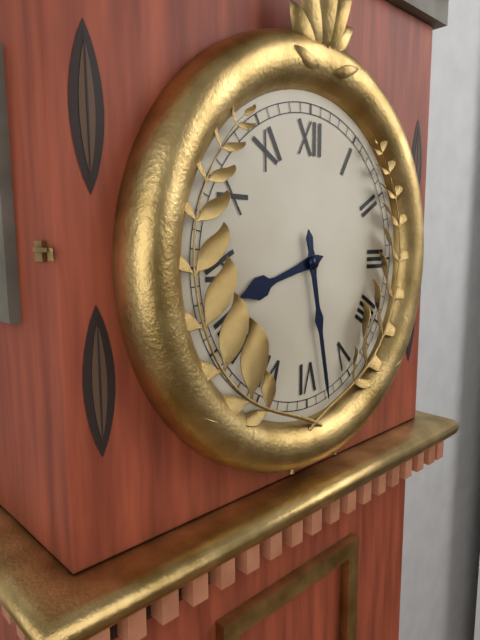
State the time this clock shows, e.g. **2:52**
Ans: **8:28**
